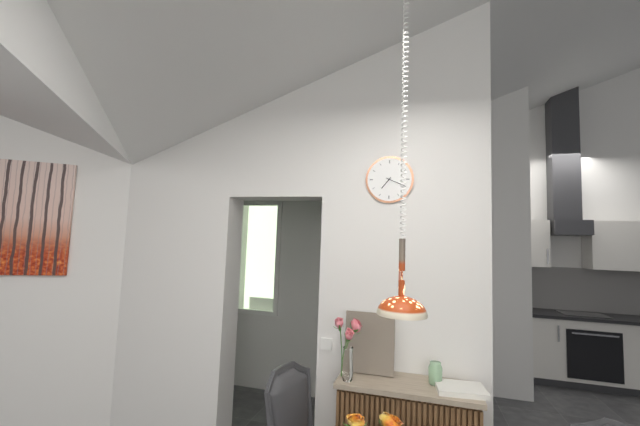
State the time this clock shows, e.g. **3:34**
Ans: **7:19**
